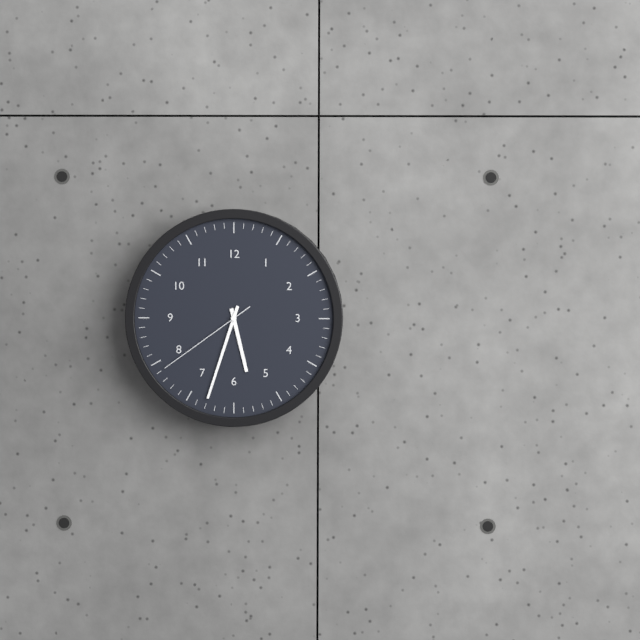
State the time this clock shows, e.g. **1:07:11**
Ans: **5:33:39**
